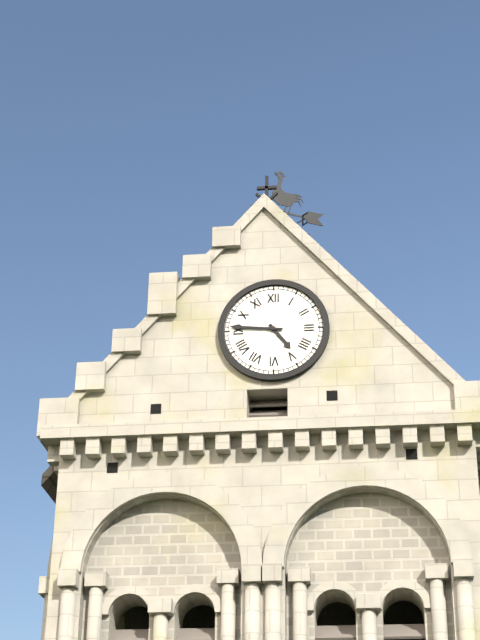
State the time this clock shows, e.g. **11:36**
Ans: **4:46**
